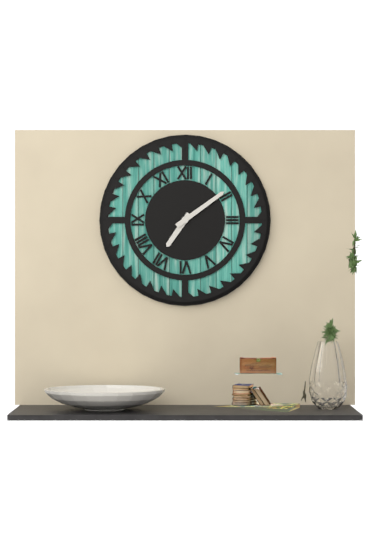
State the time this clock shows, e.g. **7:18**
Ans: **7:09**
